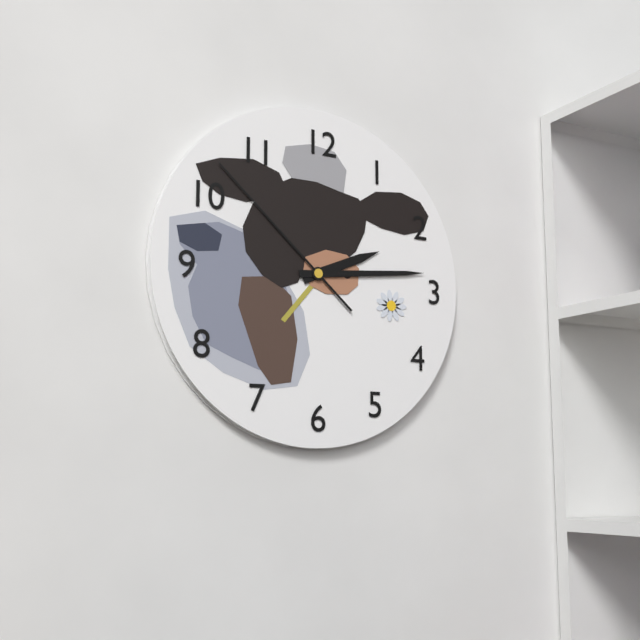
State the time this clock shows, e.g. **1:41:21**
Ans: **2:14:52**
